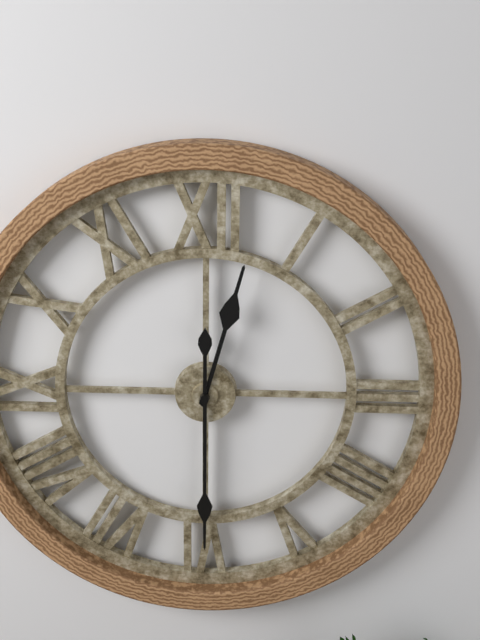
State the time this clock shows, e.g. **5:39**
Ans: **12:30**
